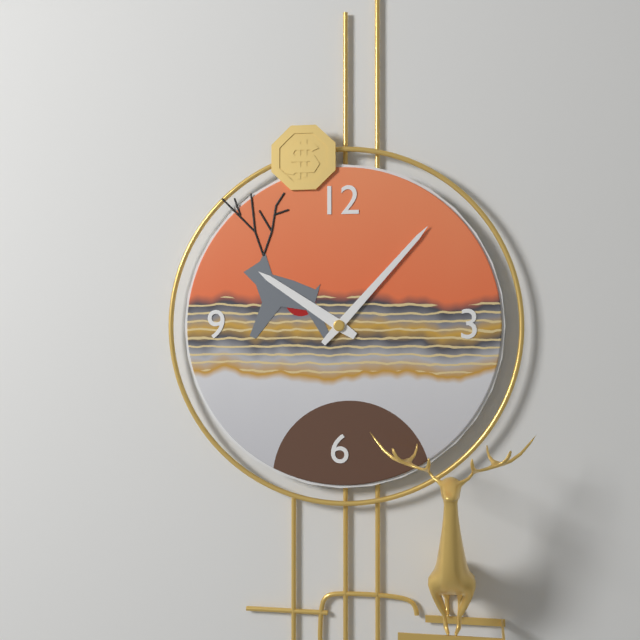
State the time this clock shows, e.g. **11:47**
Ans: **10:07**
